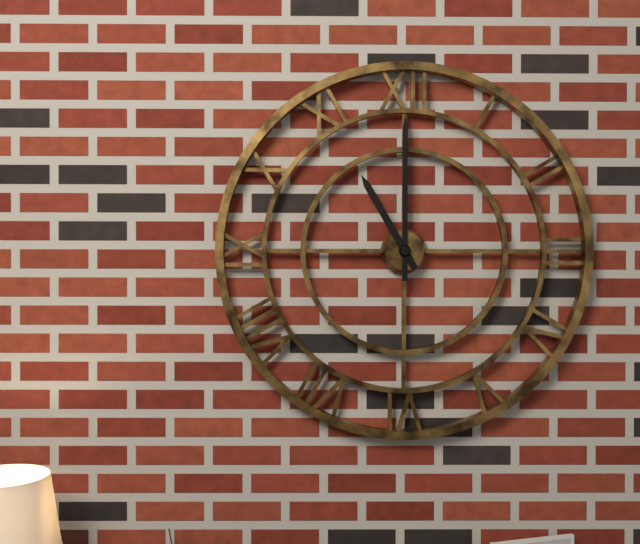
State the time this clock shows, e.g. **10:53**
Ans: **11:00**
